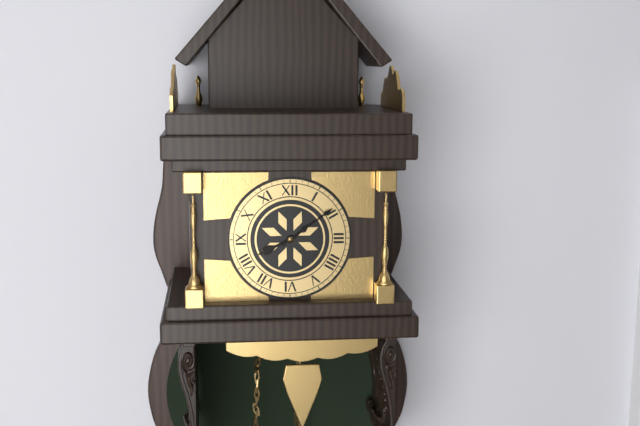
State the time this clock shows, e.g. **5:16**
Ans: **8:09**
